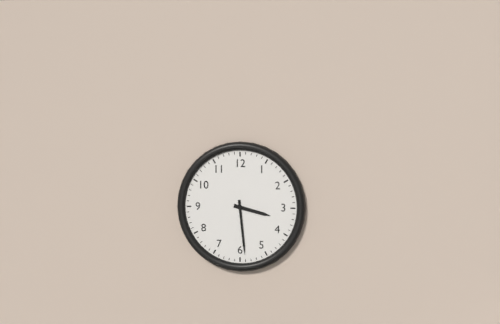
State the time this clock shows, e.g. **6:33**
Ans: **3:29**
